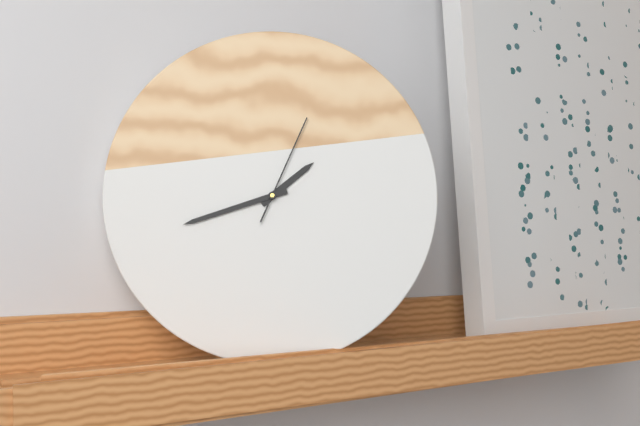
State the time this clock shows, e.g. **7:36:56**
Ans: **1:42:04**
